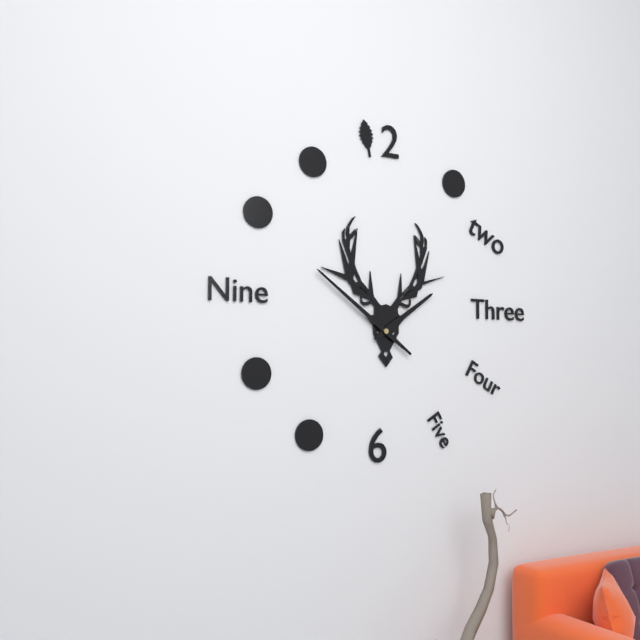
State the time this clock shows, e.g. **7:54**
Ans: **1:51**
